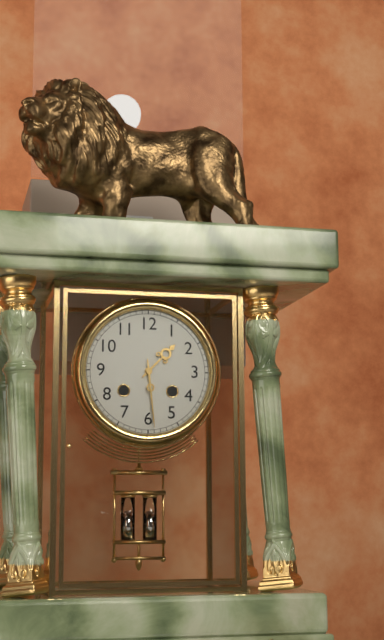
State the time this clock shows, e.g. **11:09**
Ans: **1:29**
